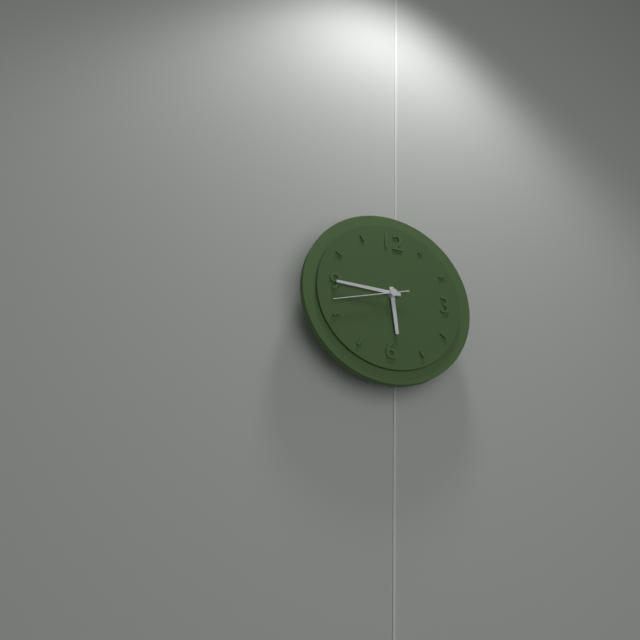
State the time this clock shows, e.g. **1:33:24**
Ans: **5:45:42**
